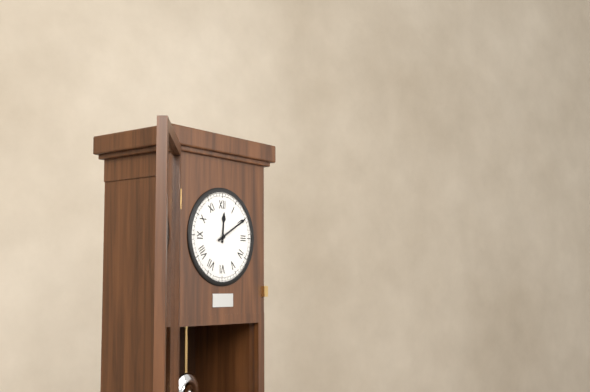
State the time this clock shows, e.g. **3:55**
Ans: **12:10**
